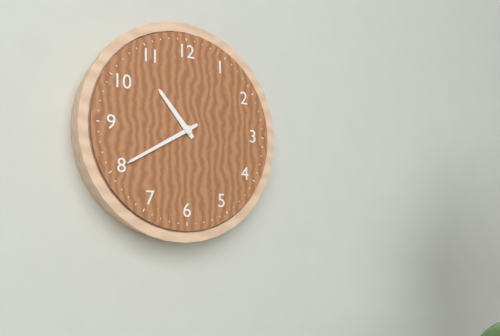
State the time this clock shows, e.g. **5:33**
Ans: **10:40**
